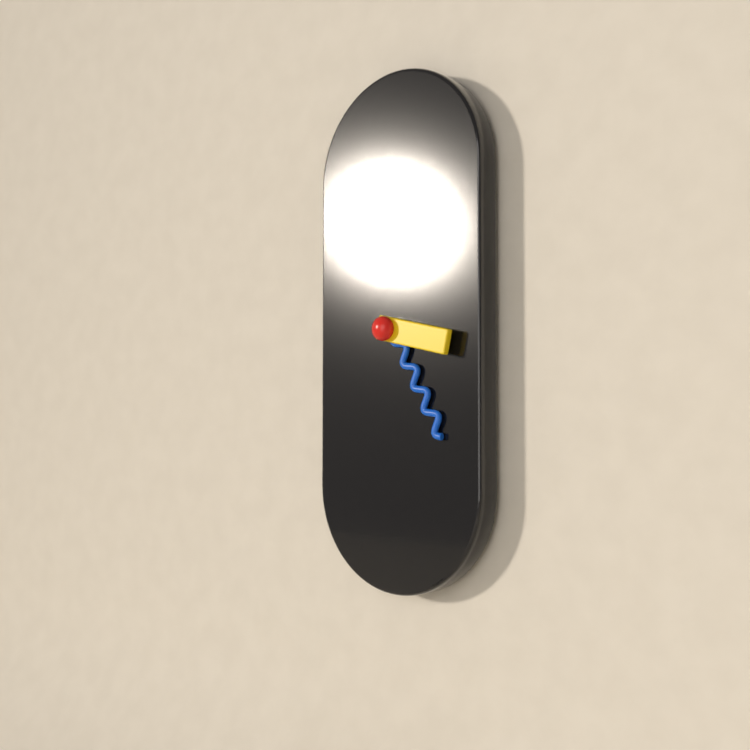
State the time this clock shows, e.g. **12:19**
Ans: **3:25**
